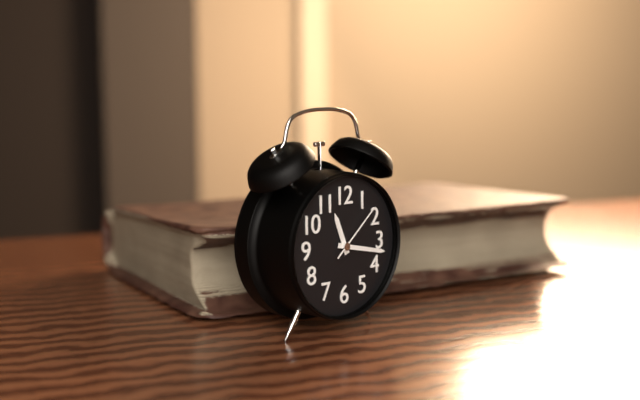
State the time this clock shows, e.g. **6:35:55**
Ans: **11:17:08**
